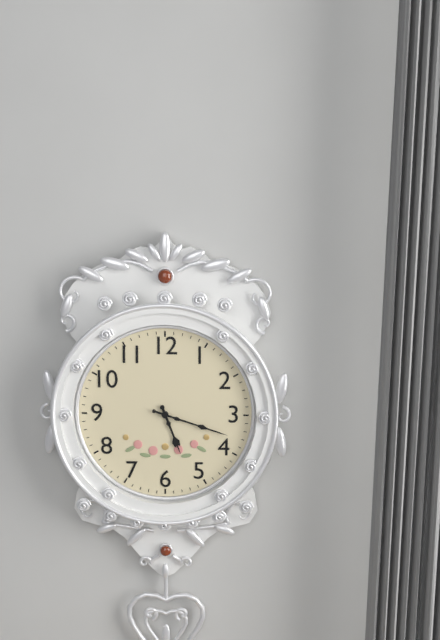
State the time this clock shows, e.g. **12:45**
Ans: **5:18**
